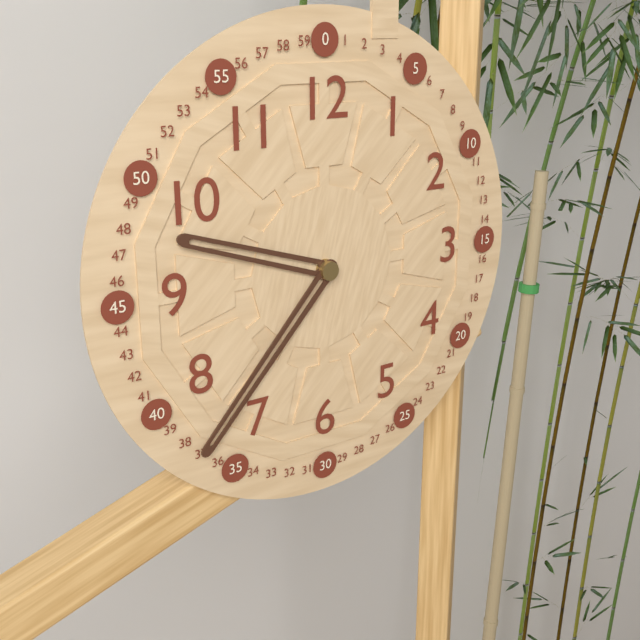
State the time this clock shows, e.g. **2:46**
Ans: **9:37**
